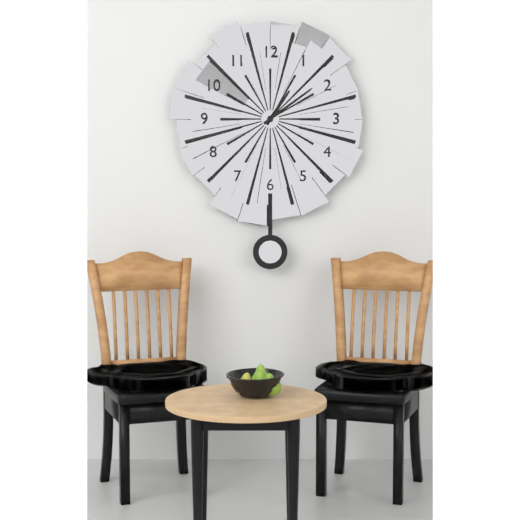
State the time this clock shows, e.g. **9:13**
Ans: **1:09**
